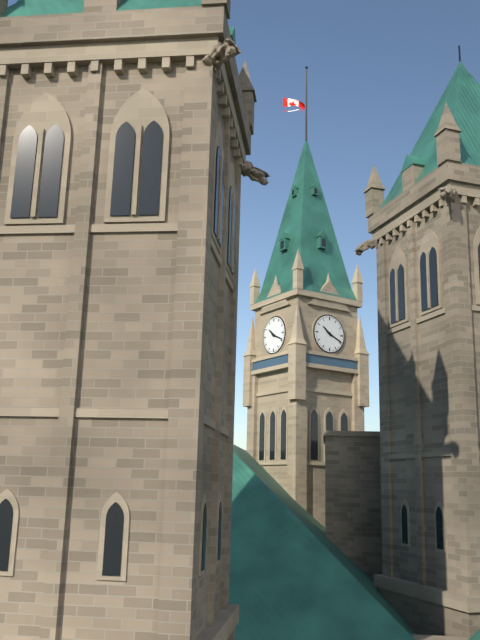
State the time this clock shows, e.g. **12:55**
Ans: **10:19**
